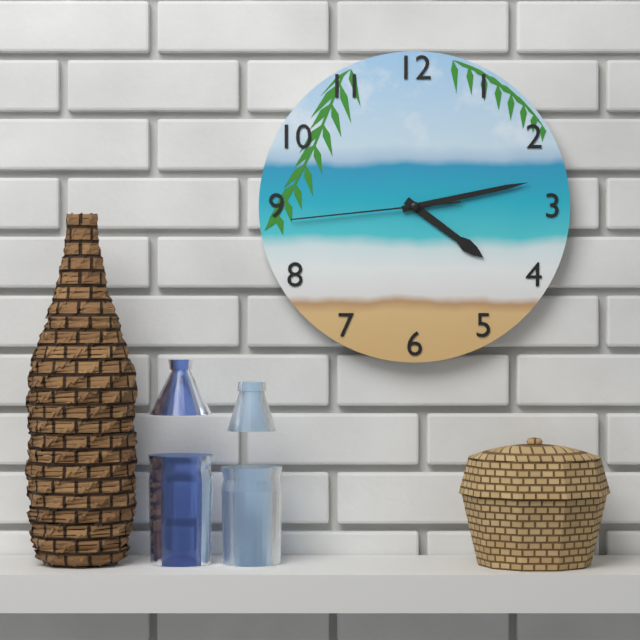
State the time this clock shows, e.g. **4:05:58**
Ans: **4:13:44**
